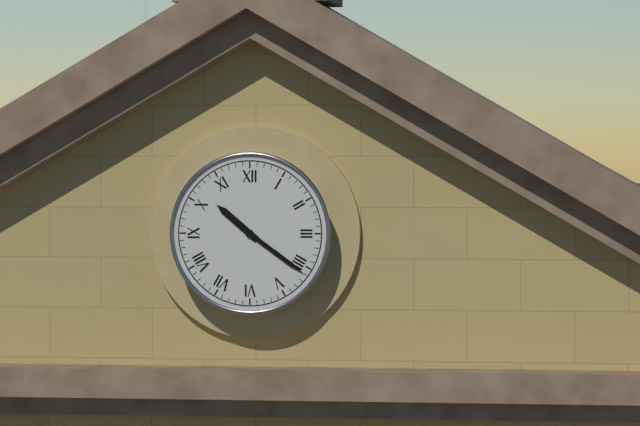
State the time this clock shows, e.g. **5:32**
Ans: **10:21**
